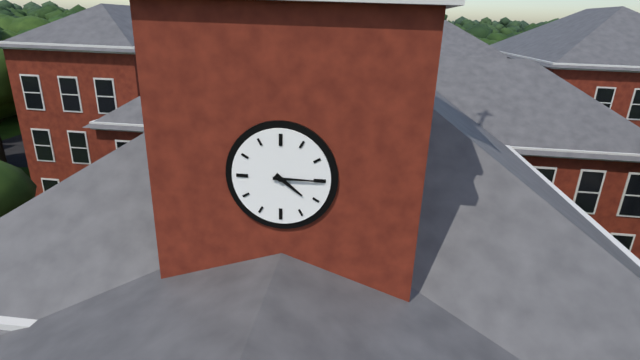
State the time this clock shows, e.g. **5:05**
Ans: **4:15**
